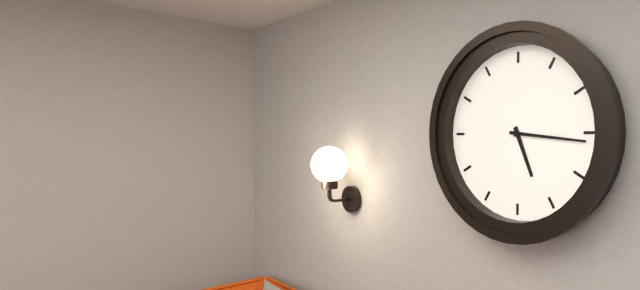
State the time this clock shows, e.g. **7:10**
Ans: **5:16**
